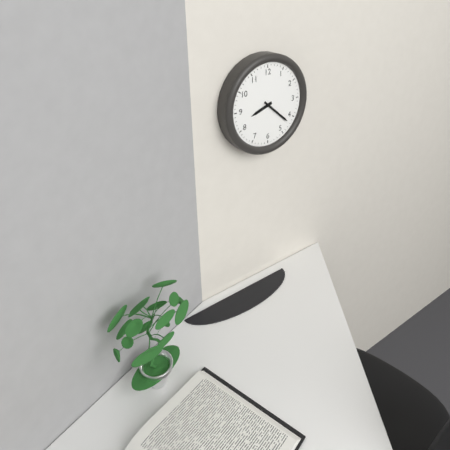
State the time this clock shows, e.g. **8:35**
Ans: **8:22**
